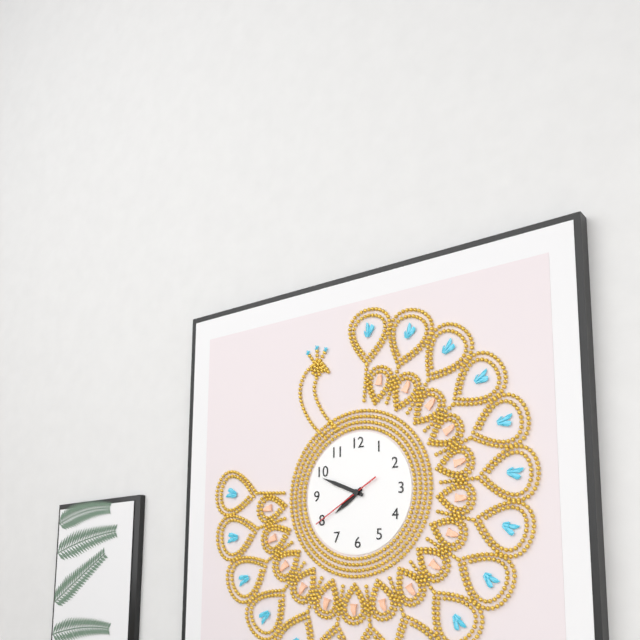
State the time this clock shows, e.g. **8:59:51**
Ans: **7:49:40**
